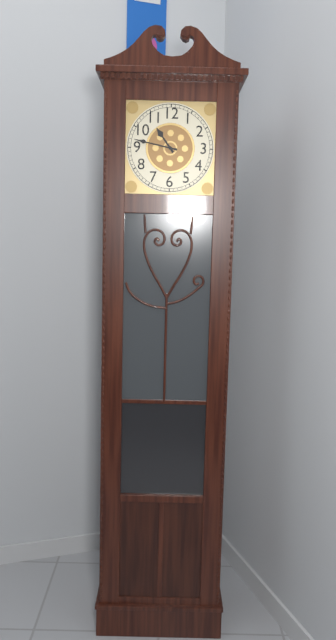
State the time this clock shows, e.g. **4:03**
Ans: **10:47**
